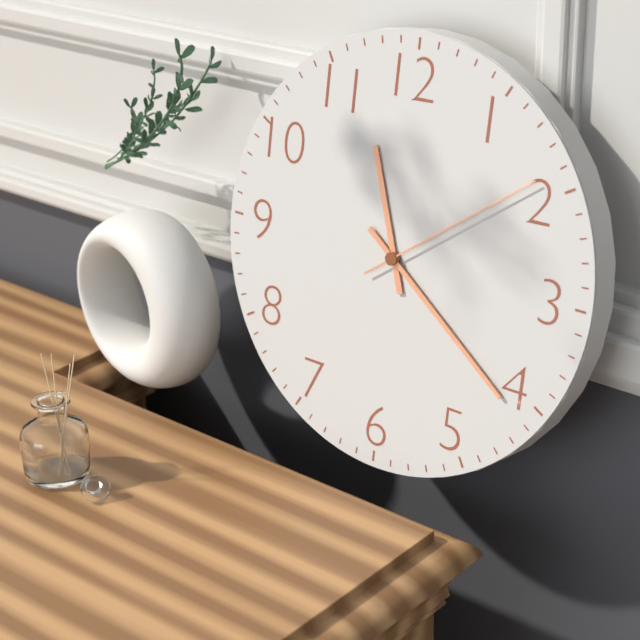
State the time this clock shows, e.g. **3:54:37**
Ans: **11:21:09**
